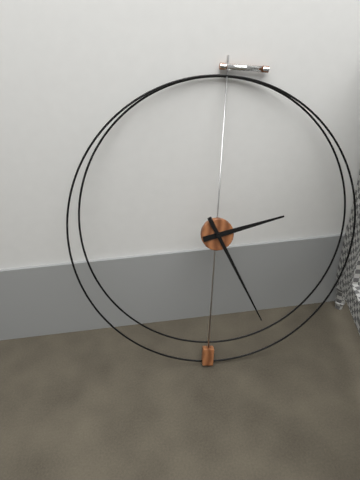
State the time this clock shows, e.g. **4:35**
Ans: **2:25**
